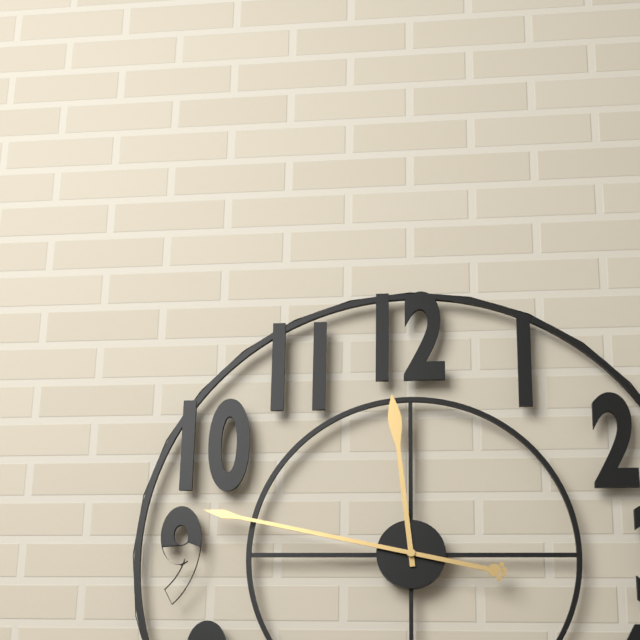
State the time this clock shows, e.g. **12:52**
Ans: **11:47**
